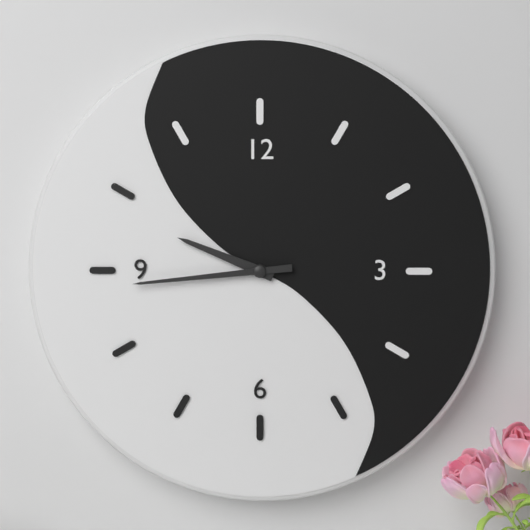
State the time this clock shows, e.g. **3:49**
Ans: **9:44**
